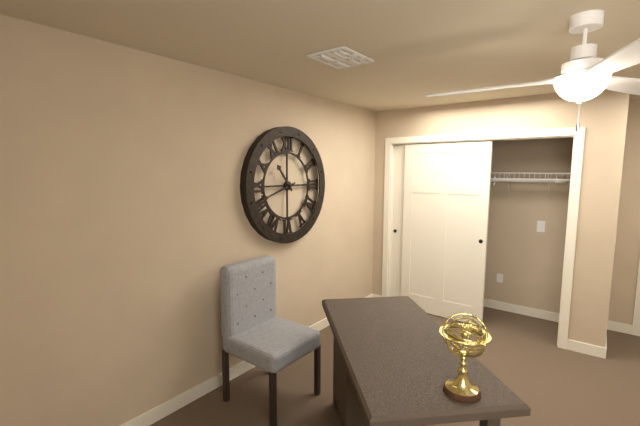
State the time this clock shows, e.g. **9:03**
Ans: **10:42**
